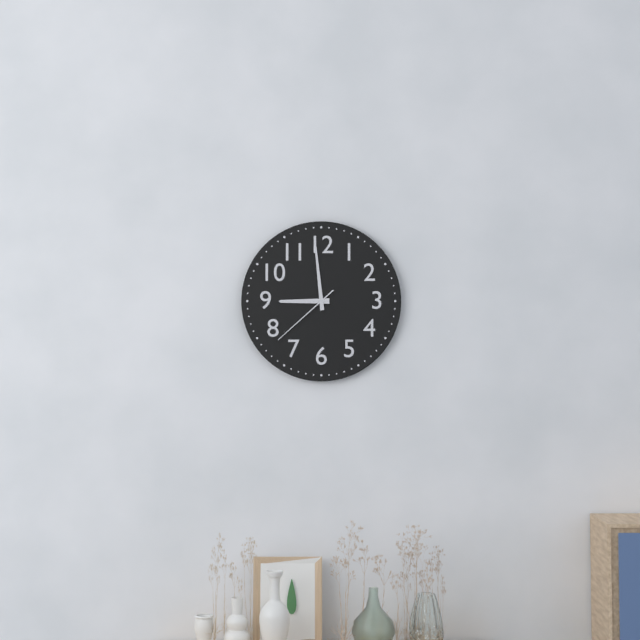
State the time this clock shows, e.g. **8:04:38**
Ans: **8:59:38**
